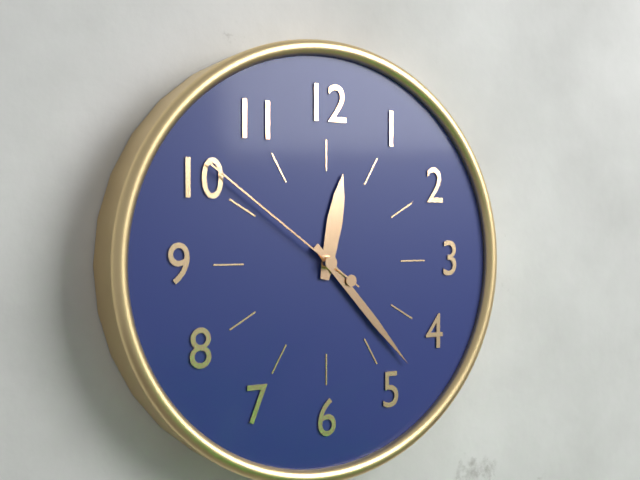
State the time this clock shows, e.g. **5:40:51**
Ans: **12:23:51**
